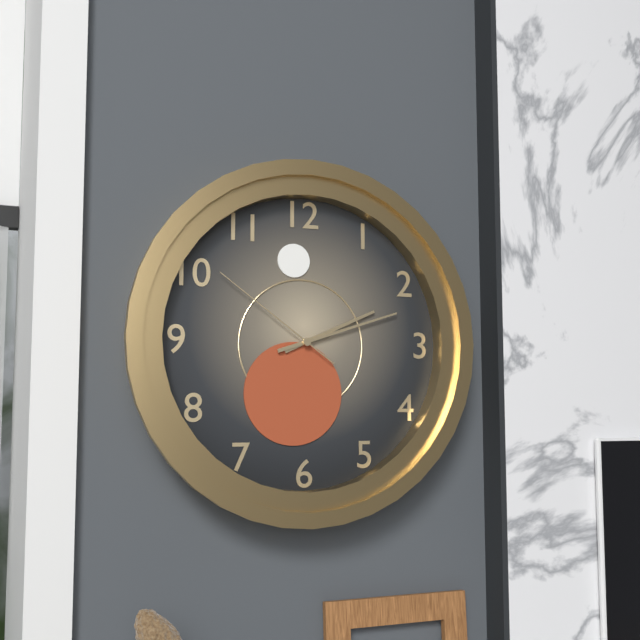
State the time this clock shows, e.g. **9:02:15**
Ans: **2:12:51**
